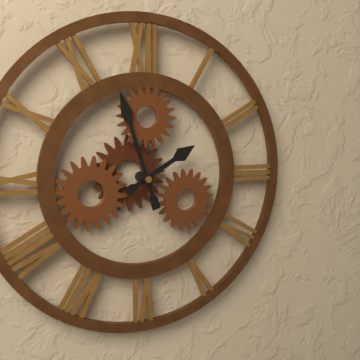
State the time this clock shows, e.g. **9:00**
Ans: **1:57**
